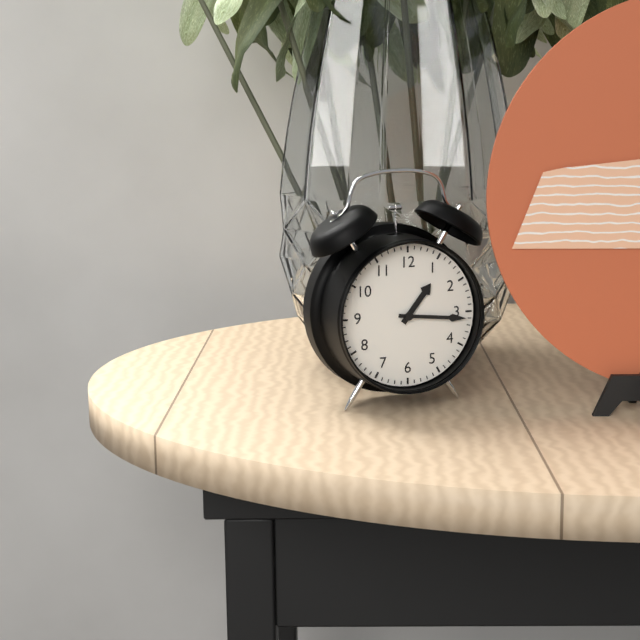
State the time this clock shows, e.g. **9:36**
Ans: **1:16**
